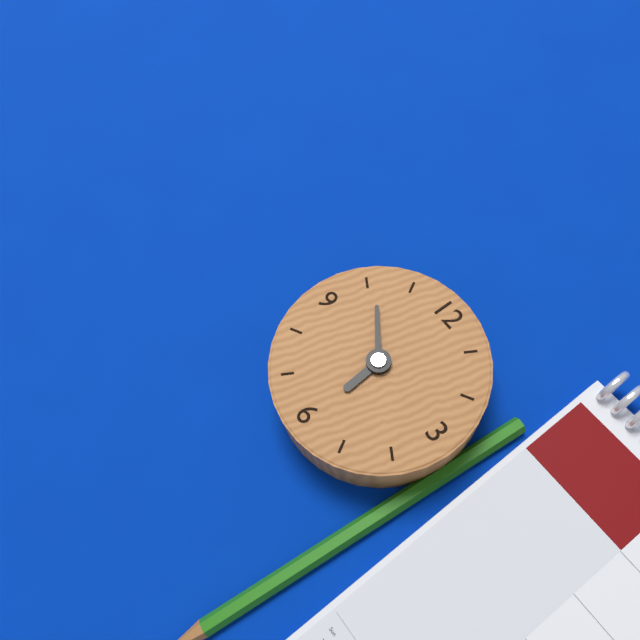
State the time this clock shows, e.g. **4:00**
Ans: **5:51**
